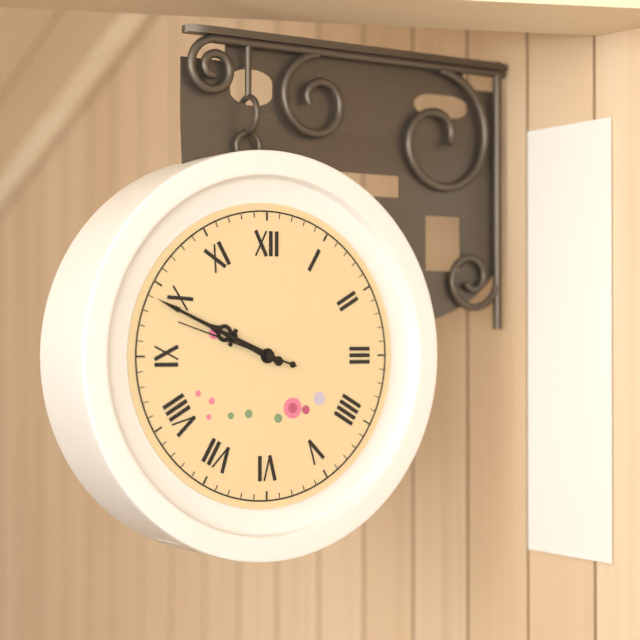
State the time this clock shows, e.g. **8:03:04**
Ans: **9:49:48**
